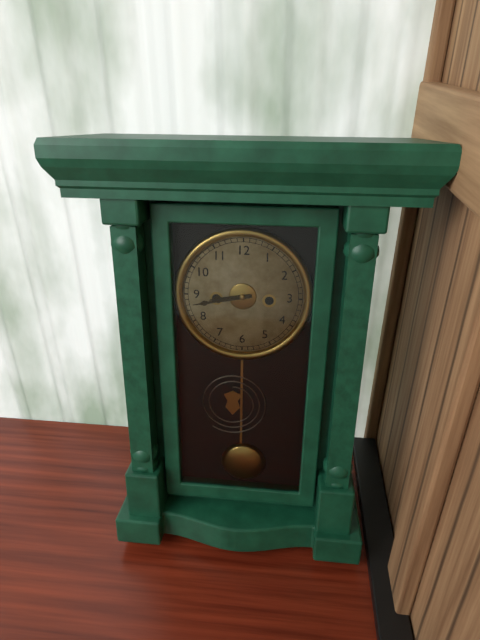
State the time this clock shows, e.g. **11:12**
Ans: **8:43**
